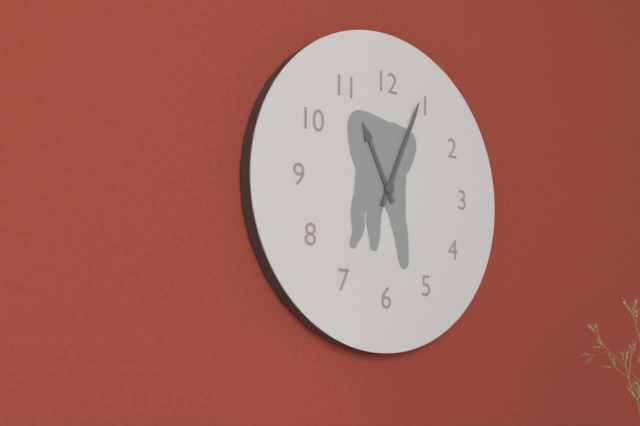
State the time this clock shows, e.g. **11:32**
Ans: **11:04**
